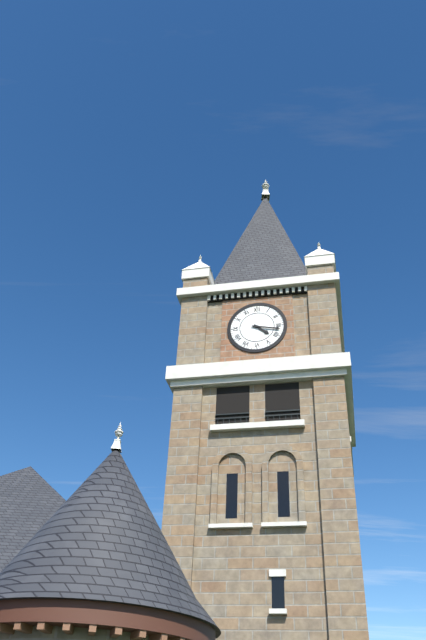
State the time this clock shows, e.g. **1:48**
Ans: **4:17**
